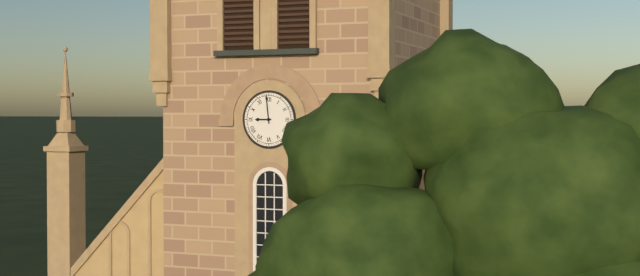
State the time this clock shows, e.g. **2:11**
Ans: **8:59**
